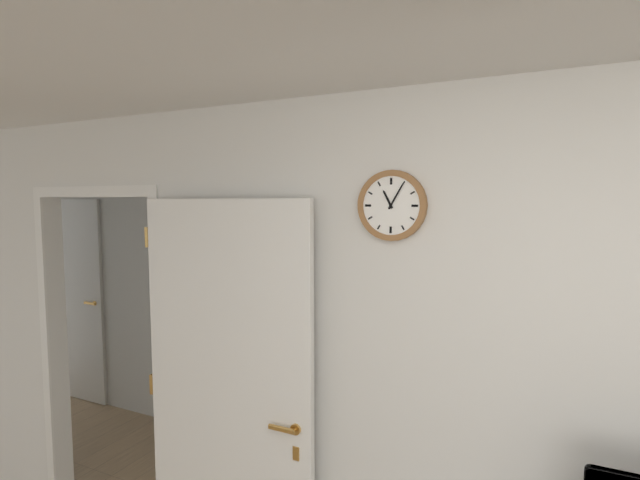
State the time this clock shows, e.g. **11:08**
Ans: **11:05**
